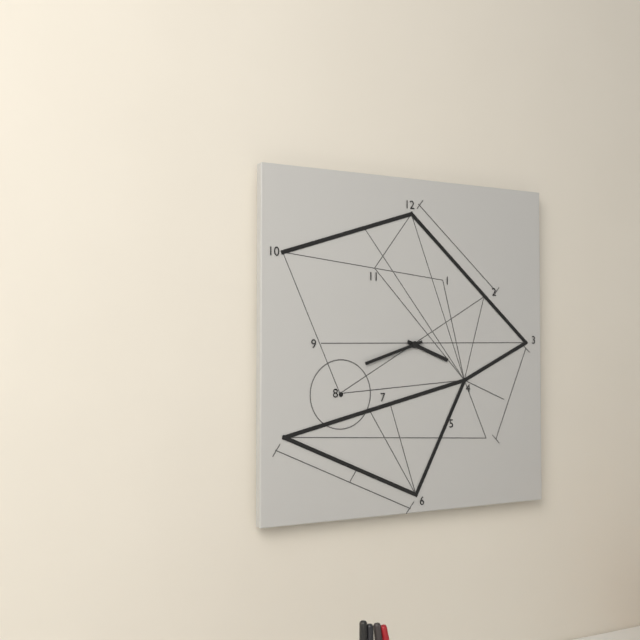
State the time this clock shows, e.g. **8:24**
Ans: **3:42**
